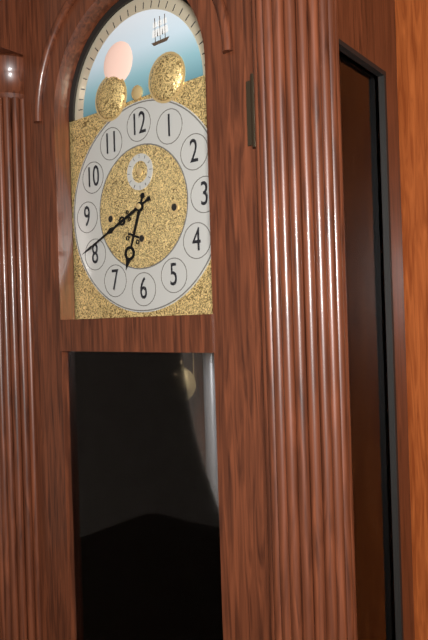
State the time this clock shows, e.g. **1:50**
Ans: **6:41**
